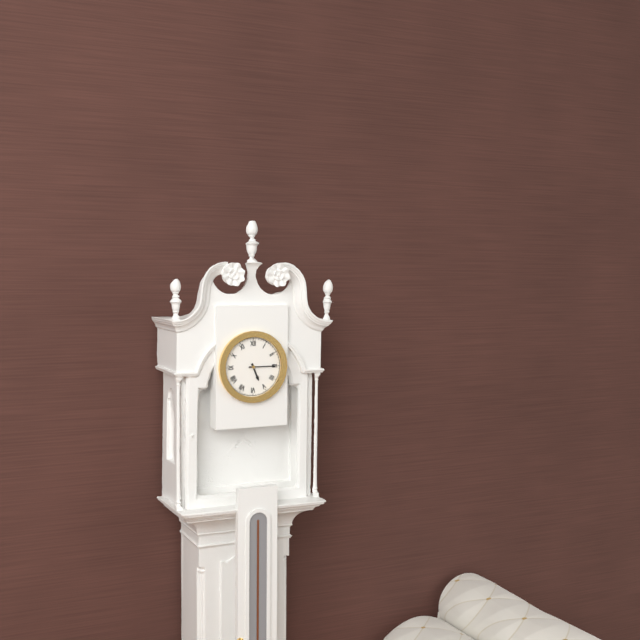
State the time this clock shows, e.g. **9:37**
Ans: **5:15**
